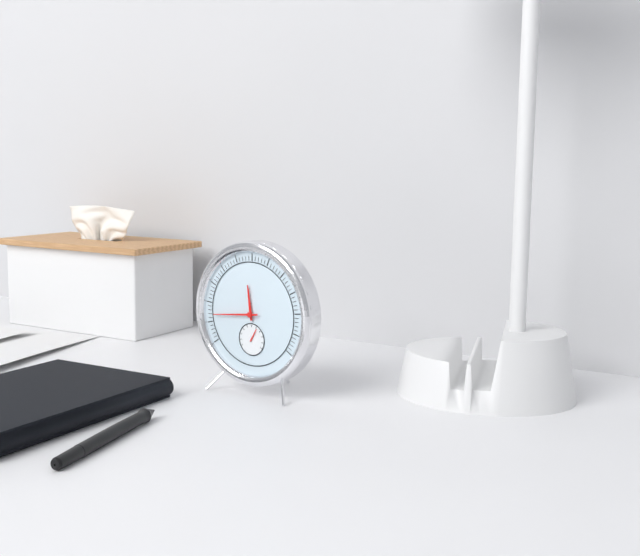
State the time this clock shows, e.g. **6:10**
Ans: **11:44**
